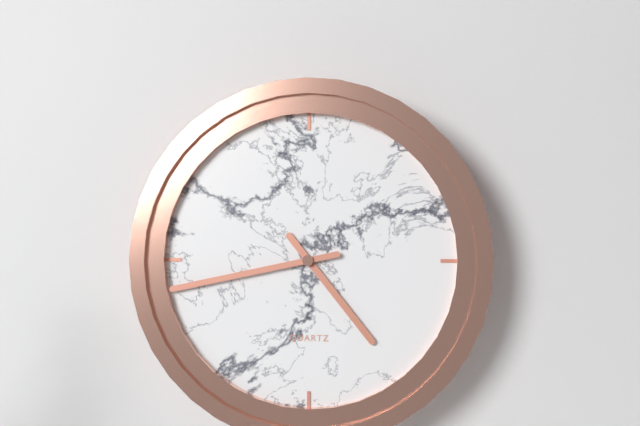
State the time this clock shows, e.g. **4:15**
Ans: **4:43**
